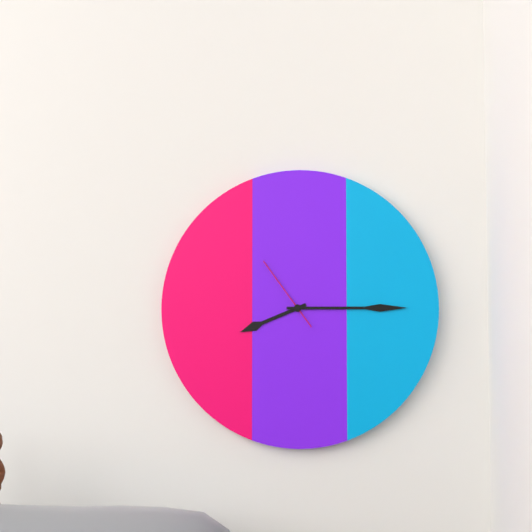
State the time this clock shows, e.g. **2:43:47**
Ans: **8:15:54**
